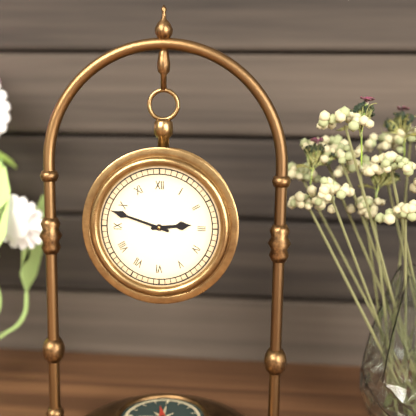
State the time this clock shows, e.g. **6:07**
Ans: **2:48**
